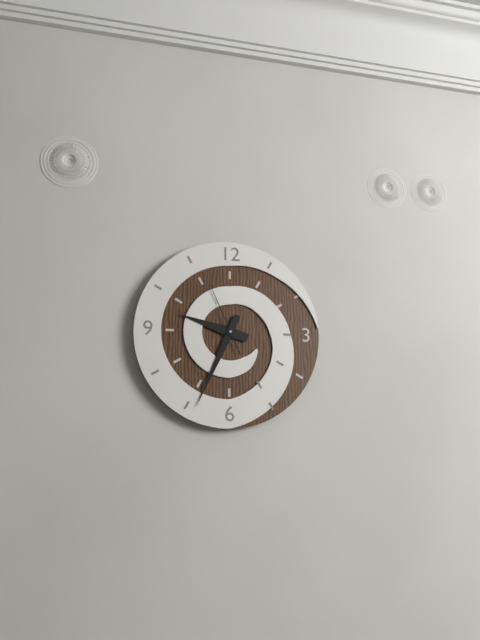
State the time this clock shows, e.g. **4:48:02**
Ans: **9:34:56**
